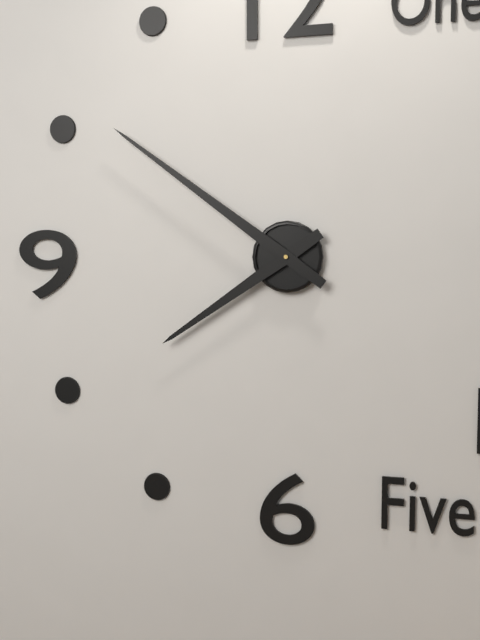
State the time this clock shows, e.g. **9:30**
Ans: **7:51**
